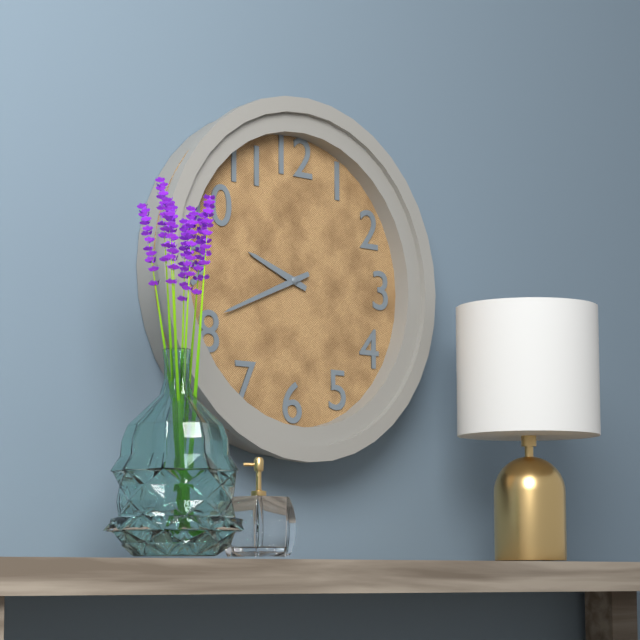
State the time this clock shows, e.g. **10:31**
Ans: **9:41**
